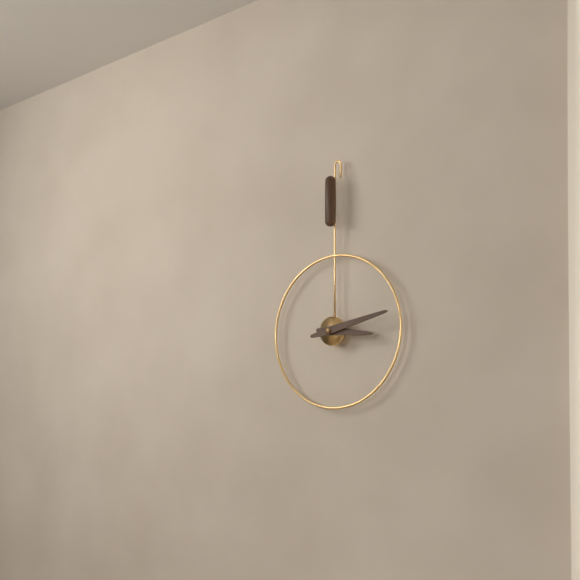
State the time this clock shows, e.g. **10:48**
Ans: **3:13**
